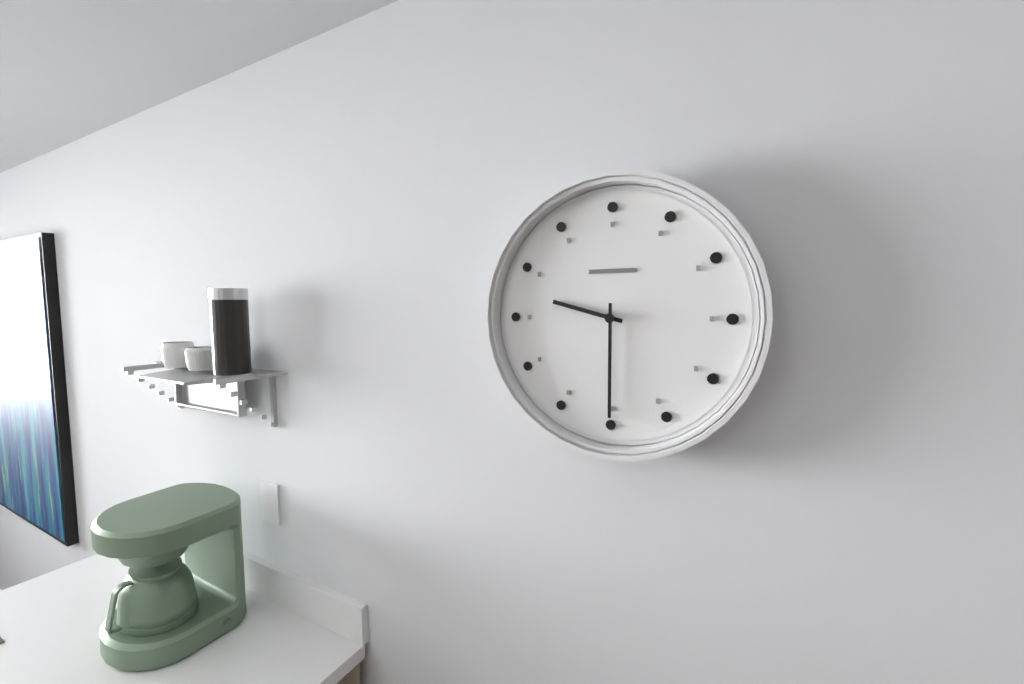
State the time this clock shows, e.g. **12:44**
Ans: **9:30**
